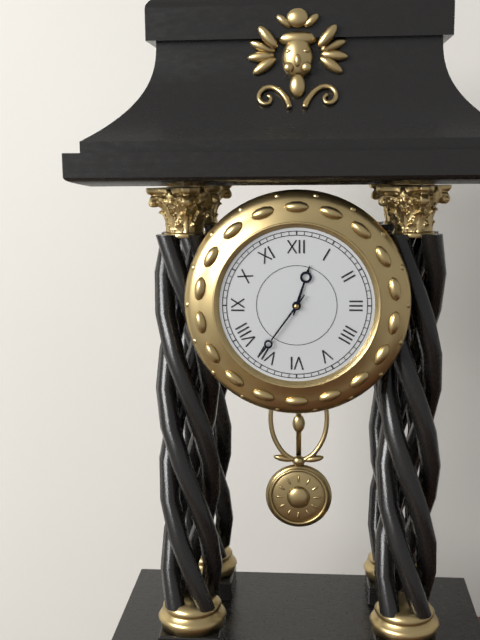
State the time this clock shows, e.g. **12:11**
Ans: **12:36**
